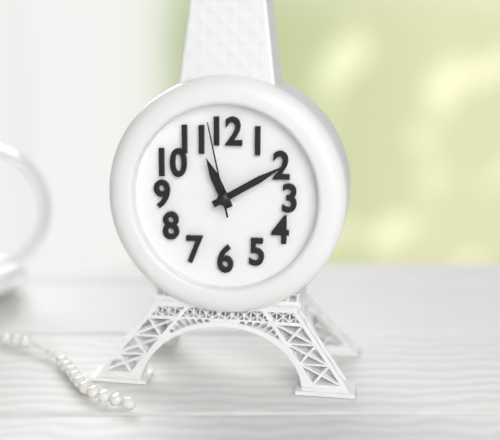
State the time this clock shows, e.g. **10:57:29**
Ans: **11:10:58**
